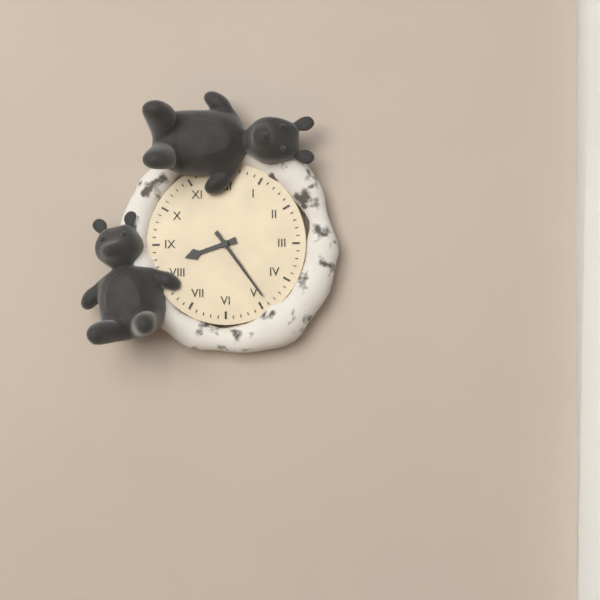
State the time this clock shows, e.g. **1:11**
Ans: **8:24**
